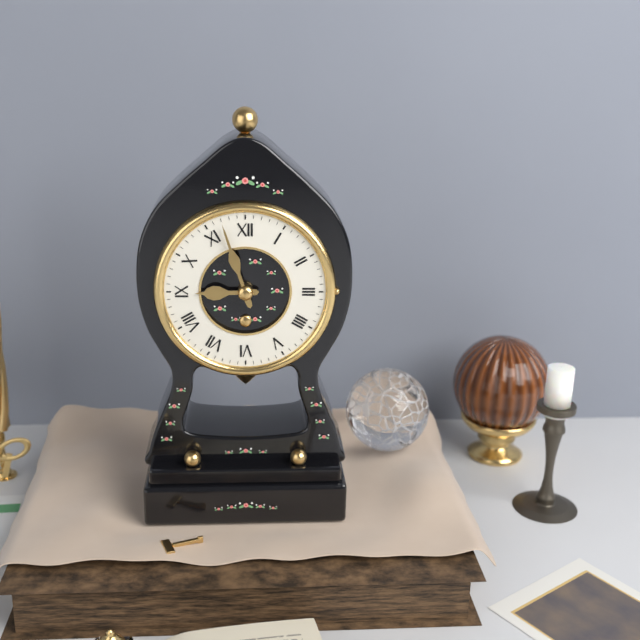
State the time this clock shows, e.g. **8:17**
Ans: **8:57**
